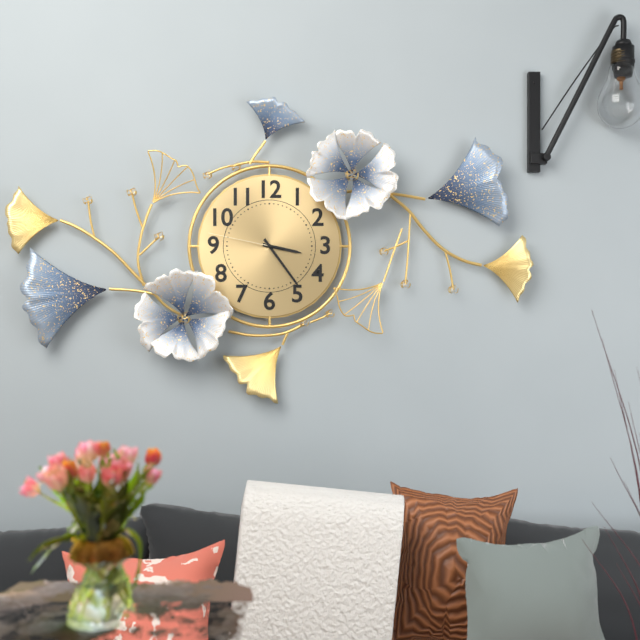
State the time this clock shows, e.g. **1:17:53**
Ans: **3:24:47**
